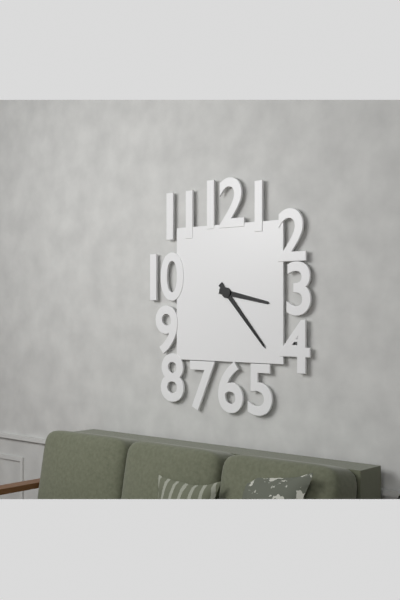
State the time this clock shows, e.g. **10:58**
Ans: **3:23**
